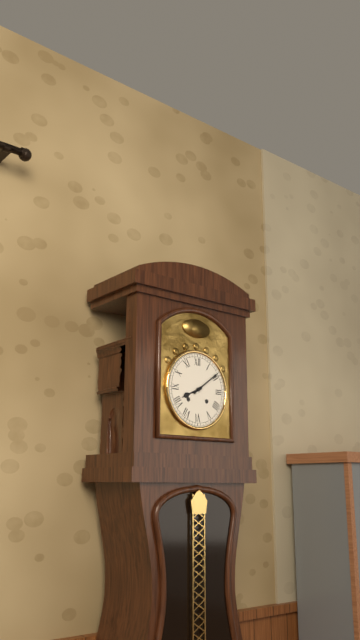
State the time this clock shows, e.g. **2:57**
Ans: **8:09**
